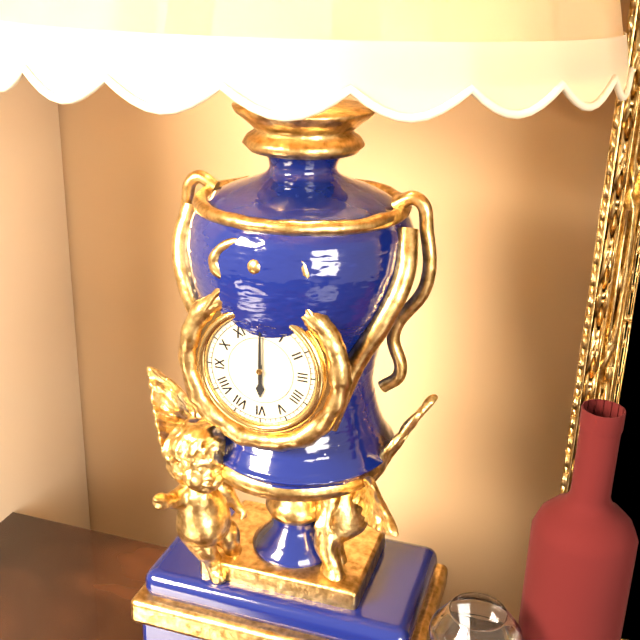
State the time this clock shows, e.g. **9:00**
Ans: **6:00**
